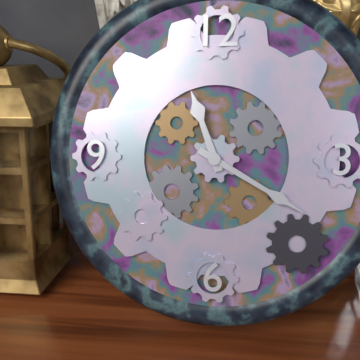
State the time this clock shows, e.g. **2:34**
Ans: **11:20**
